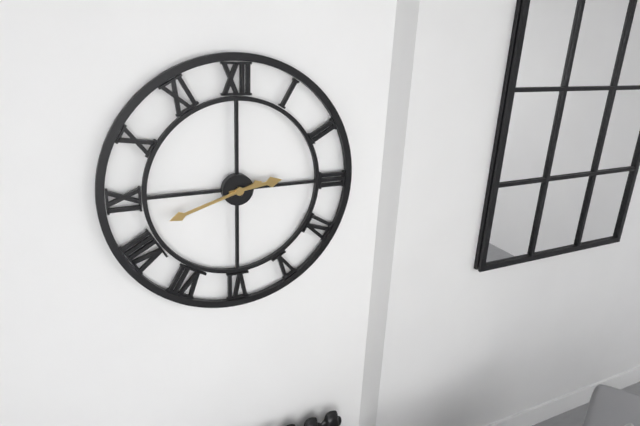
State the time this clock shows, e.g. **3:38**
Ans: **2:42**
